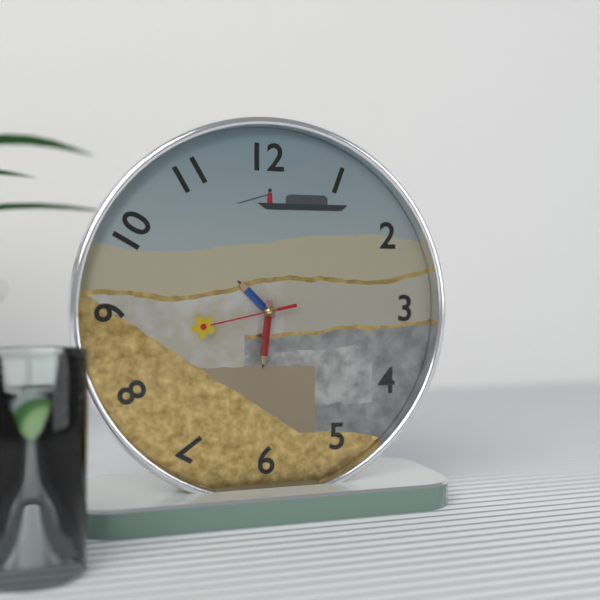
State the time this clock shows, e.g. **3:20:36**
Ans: **10:31:43**
